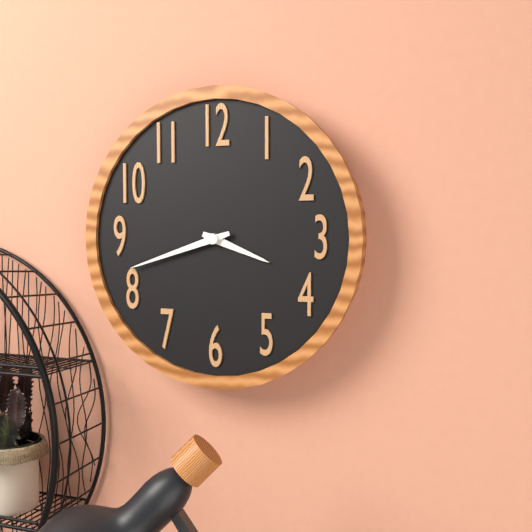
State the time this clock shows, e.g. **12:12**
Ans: **3:42**
